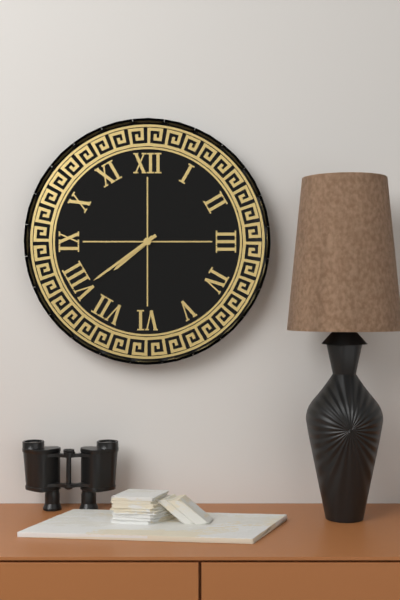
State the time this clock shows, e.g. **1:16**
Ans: **7:39**
